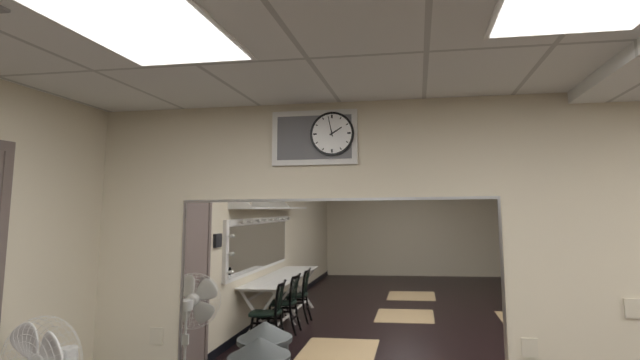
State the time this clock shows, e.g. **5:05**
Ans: **1:58**
